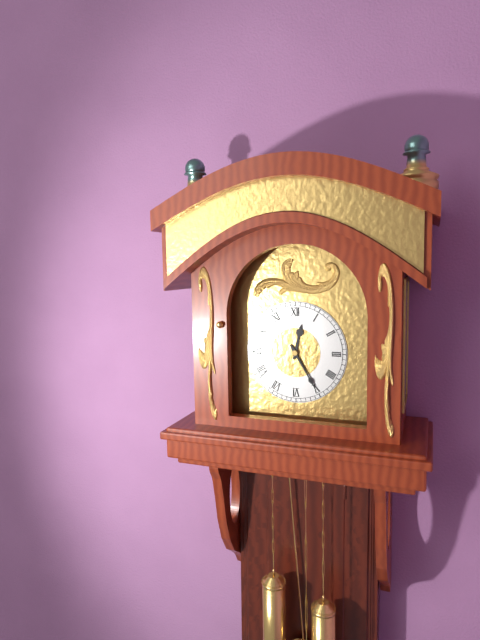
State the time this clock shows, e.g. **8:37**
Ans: **12:25**
